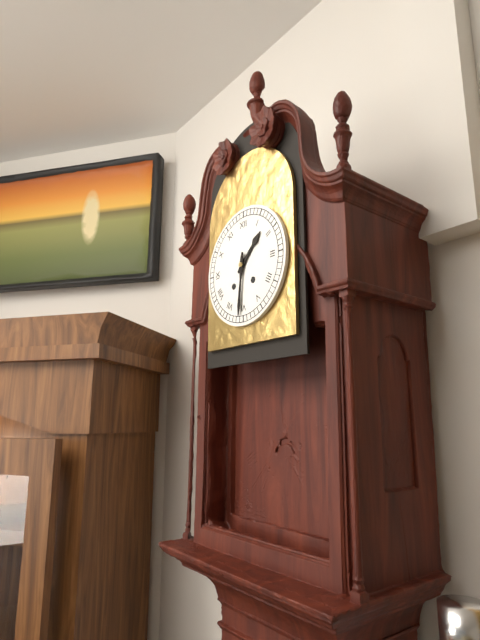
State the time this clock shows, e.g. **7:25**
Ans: **1:31**
